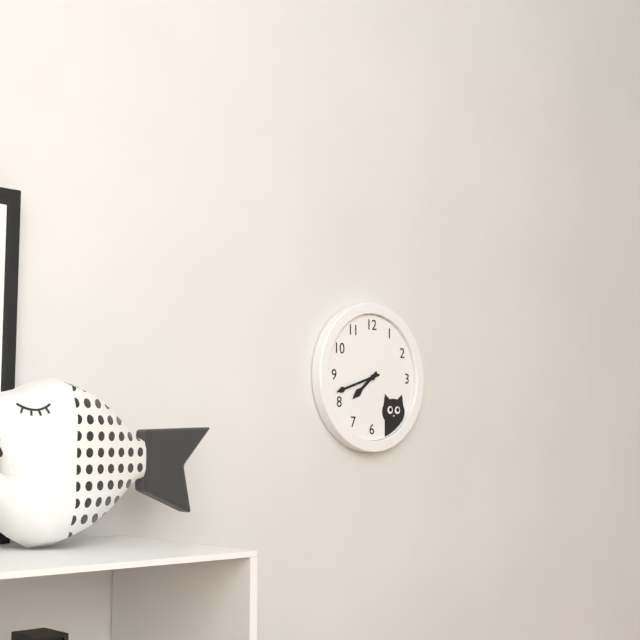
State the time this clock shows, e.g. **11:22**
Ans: **7:42**
